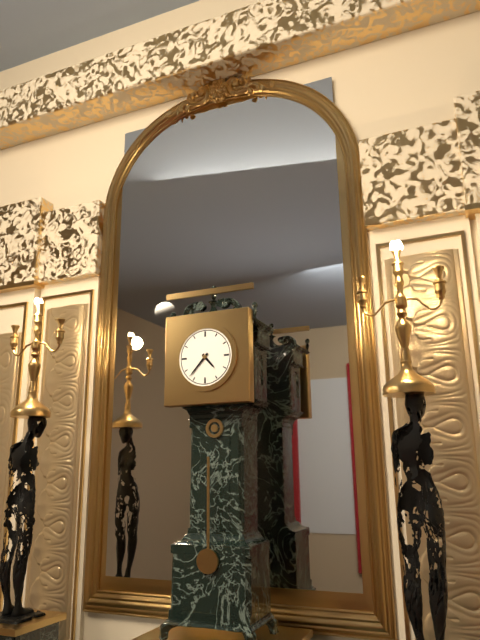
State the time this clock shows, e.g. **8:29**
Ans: **4:37**
